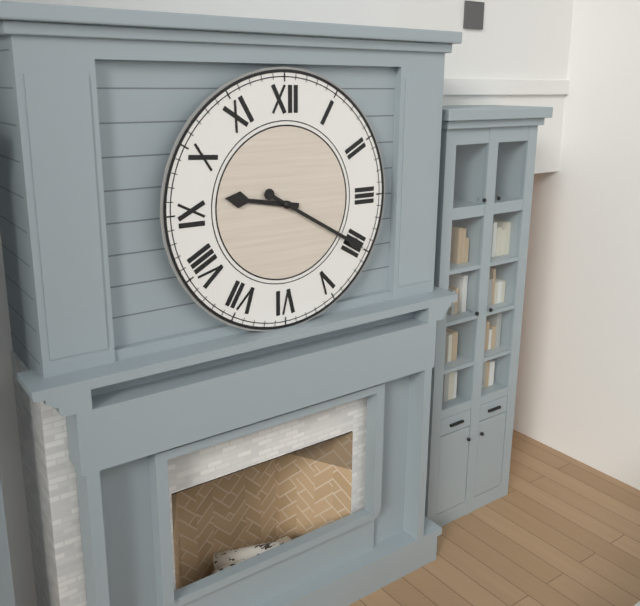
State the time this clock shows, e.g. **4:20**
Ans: **9:20**
